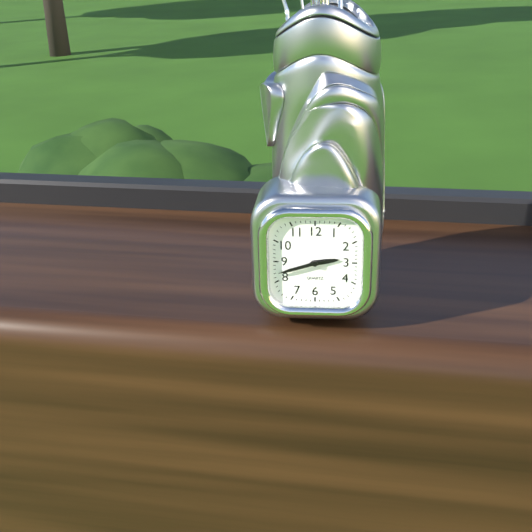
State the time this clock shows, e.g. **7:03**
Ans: **2:42**
